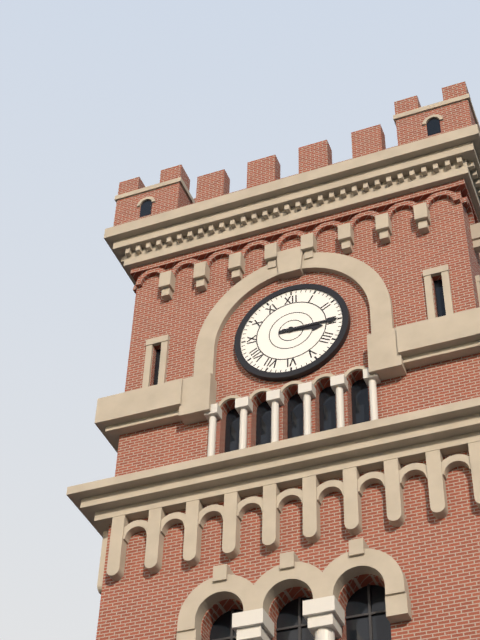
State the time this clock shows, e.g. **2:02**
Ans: **3:15**
